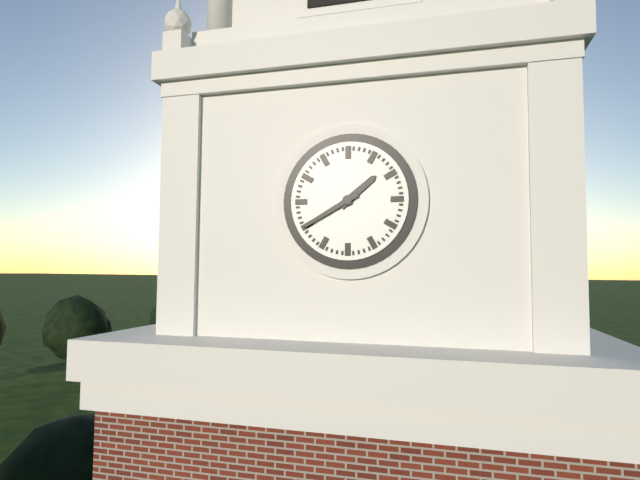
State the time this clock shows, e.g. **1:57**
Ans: **1:40**
